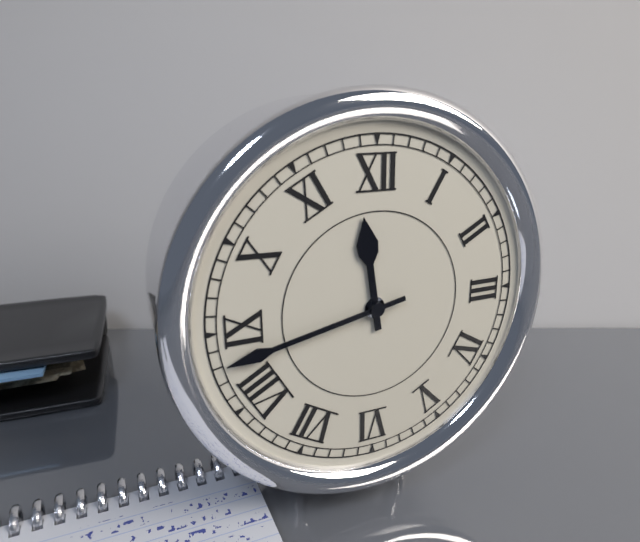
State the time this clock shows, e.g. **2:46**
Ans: **11:43**
